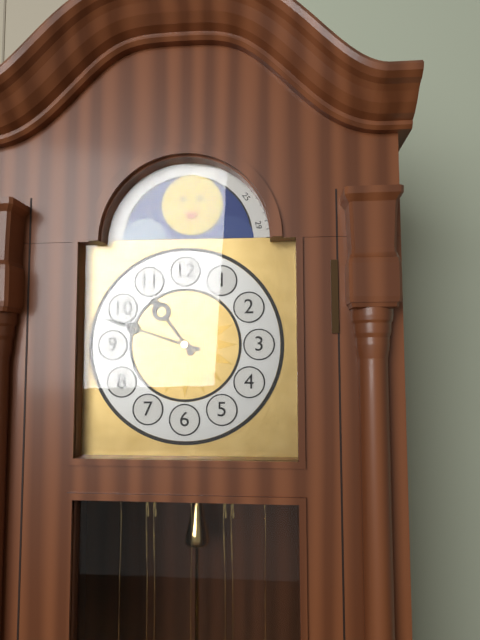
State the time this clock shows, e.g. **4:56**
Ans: **10:48**
